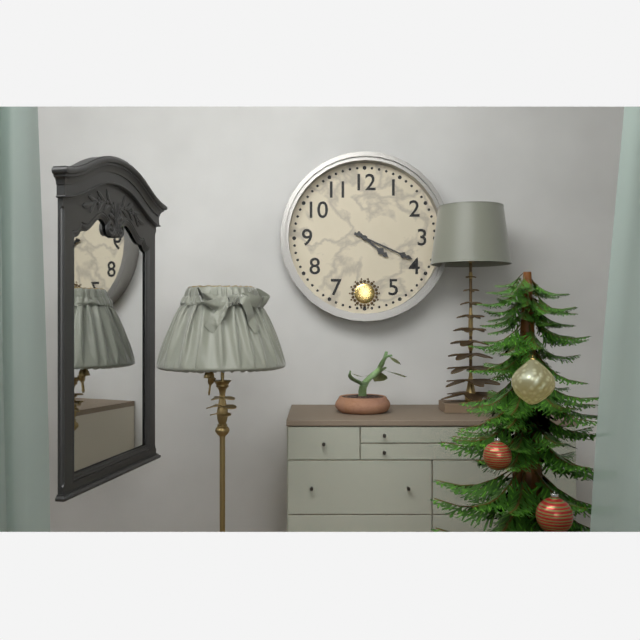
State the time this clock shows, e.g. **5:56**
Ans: **4:19**
